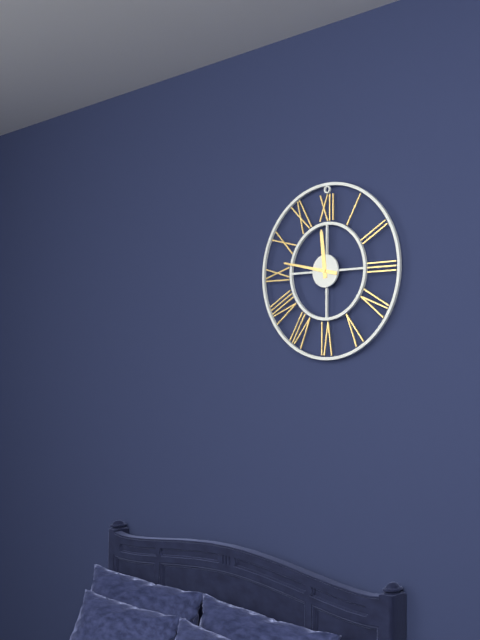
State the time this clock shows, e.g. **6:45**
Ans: **11:47**
